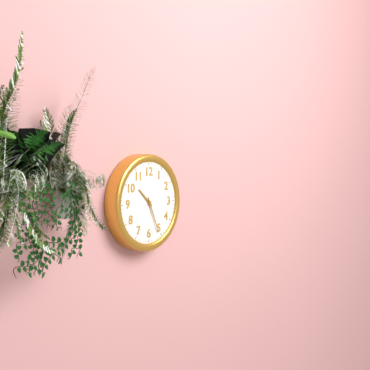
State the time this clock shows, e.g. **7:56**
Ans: **10:26**
